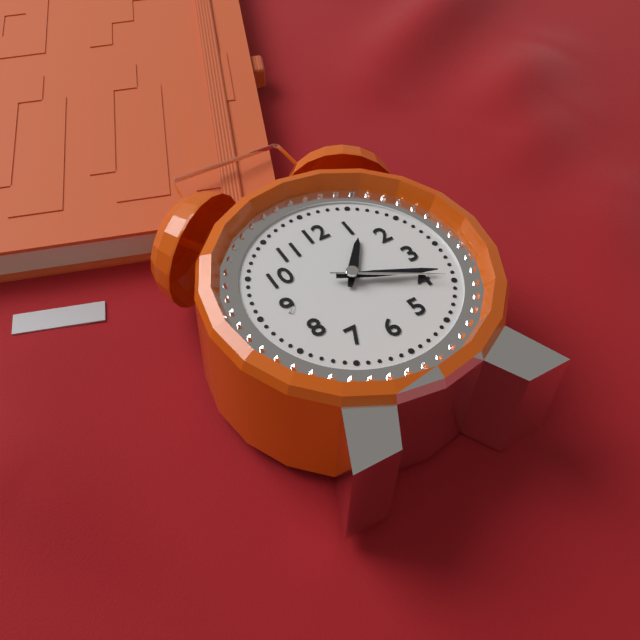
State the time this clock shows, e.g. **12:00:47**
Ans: **1:19:20**
